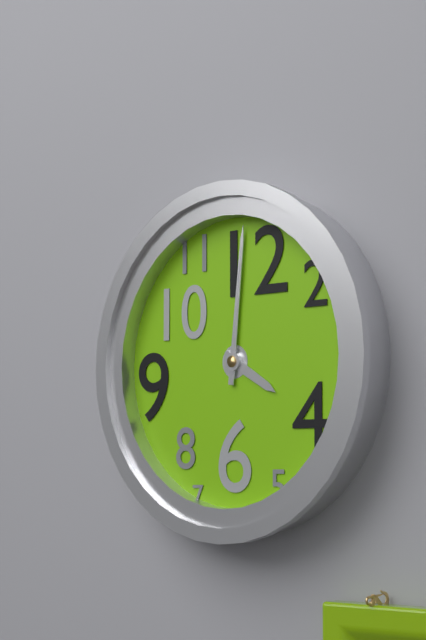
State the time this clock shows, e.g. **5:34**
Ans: **4:01**
